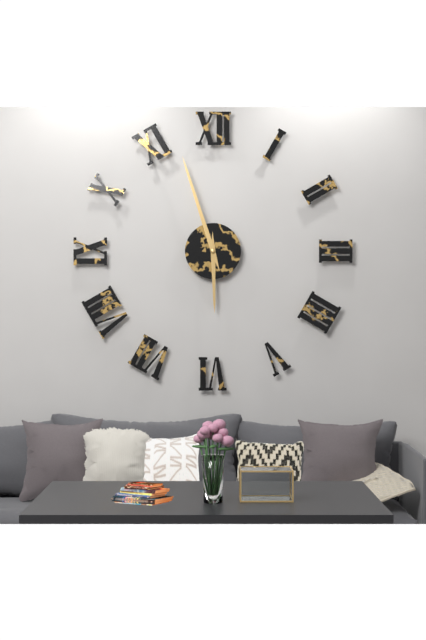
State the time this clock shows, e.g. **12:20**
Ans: **5:57**
